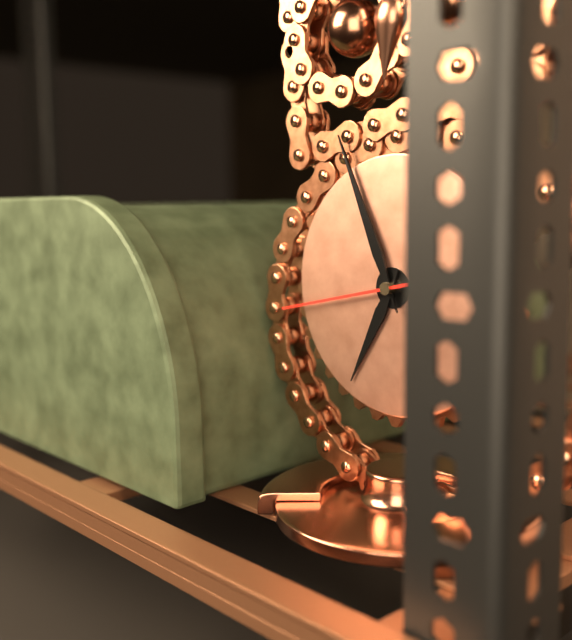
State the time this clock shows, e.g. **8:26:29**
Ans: **6:56:43**
